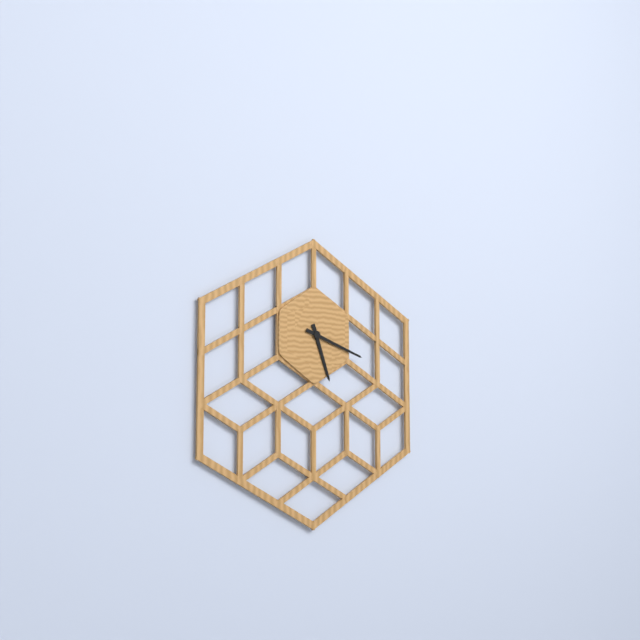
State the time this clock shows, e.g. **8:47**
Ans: **5:18**
